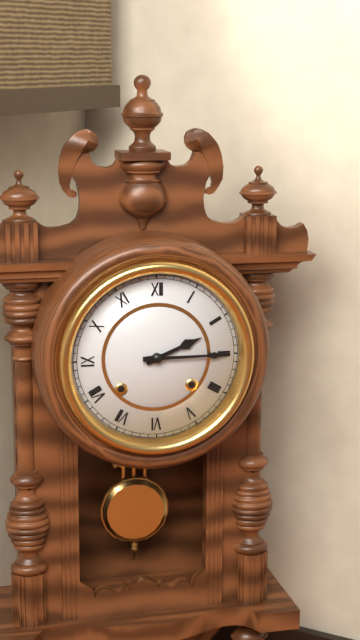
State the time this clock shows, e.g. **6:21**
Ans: **2:15**
